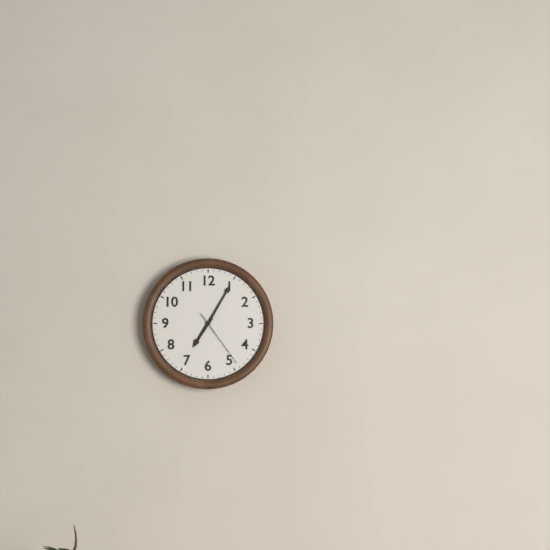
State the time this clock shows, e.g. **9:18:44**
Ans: **7:05:24**
